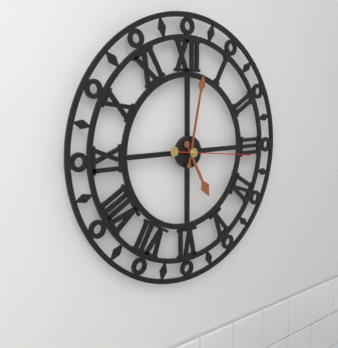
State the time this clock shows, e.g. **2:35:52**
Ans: **5:02:16**
